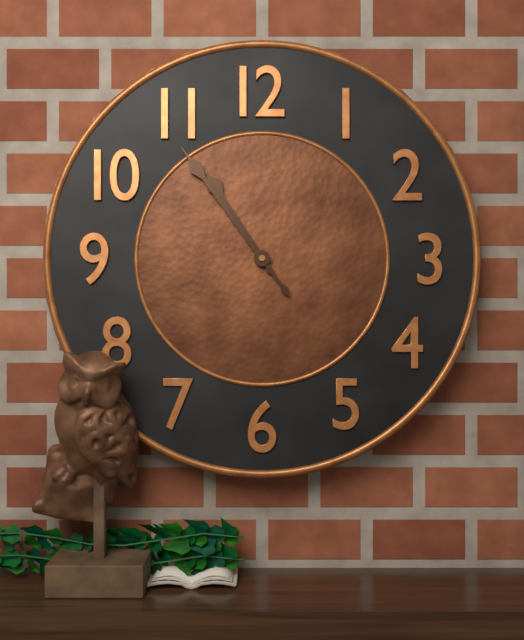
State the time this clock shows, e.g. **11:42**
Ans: **10:54**
